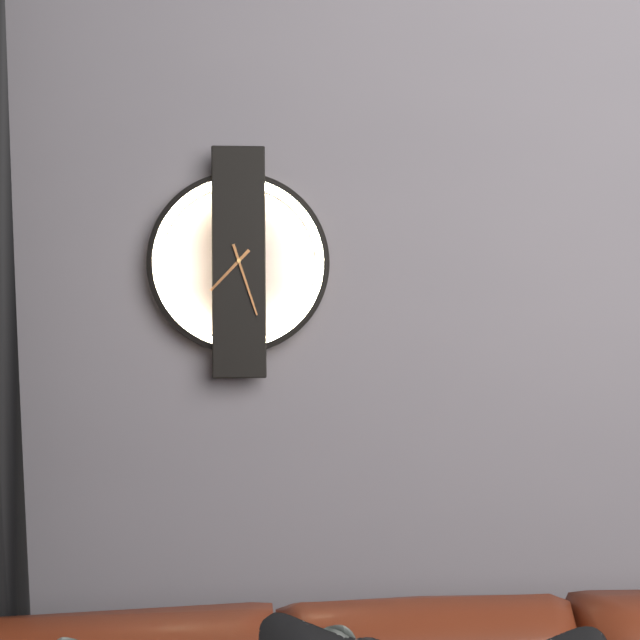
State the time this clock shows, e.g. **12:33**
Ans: **7:27**
